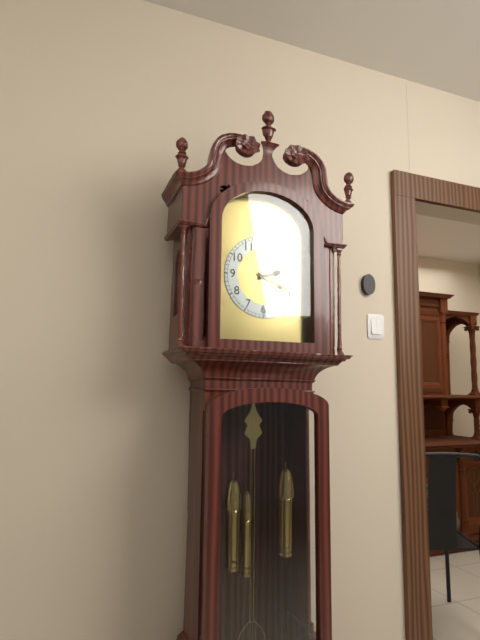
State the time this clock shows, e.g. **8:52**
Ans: **2:19**
